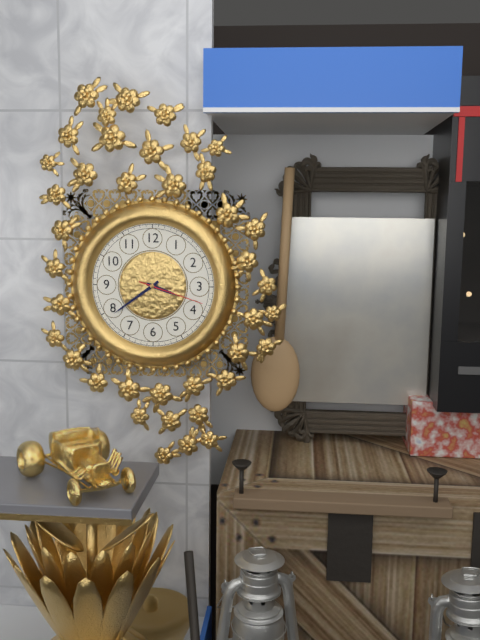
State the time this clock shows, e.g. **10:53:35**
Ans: **3:39:18**
